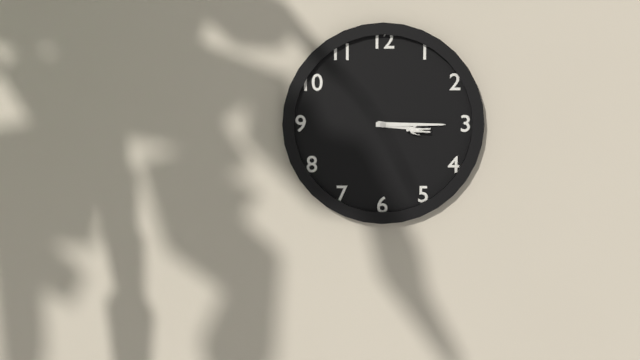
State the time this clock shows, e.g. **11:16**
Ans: **3:15**
